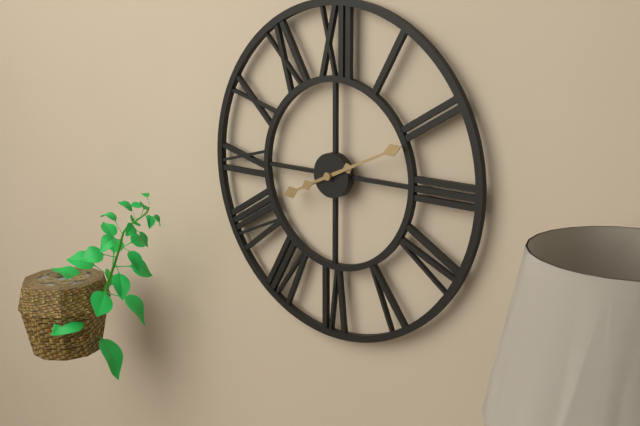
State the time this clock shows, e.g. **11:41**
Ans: **8:11**
